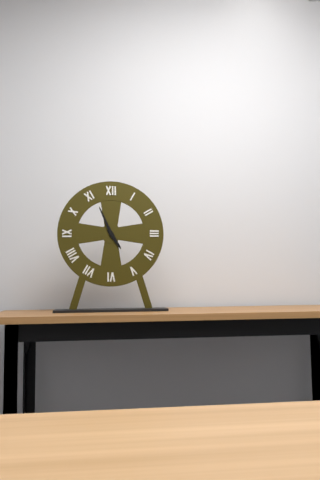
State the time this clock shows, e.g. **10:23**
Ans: **4:56**
